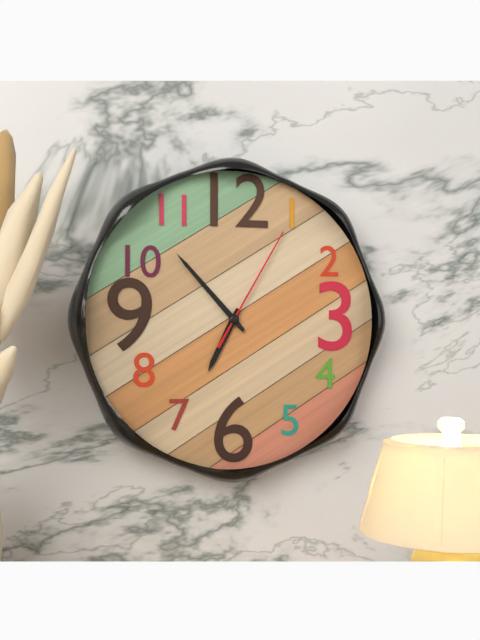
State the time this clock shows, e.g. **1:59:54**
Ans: **6:53:05**
